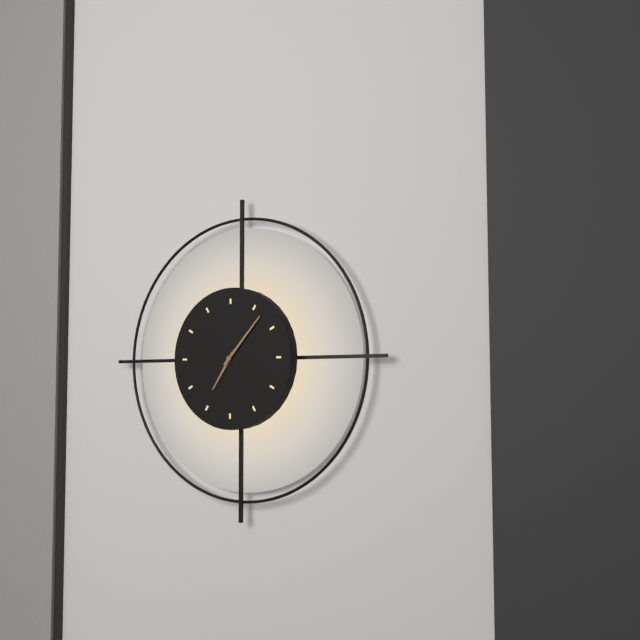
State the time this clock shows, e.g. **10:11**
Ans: **7:07**
